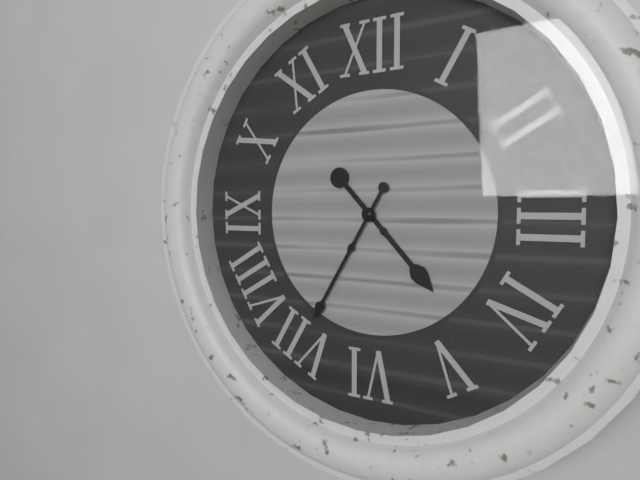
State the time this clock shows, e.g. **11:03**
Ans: **4:35**
